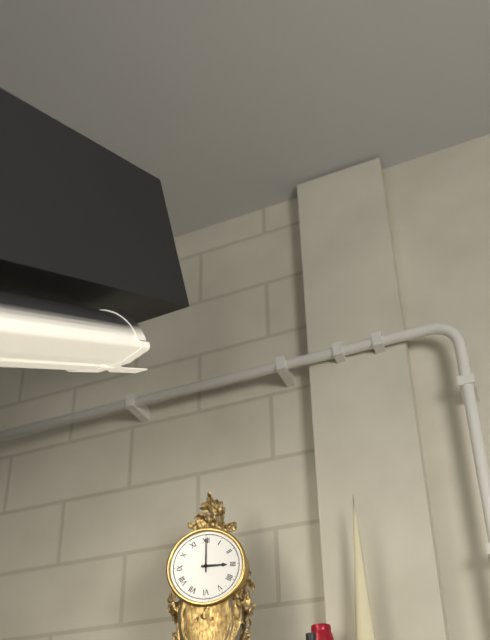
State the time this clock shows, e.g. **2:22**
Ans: **3:00**
